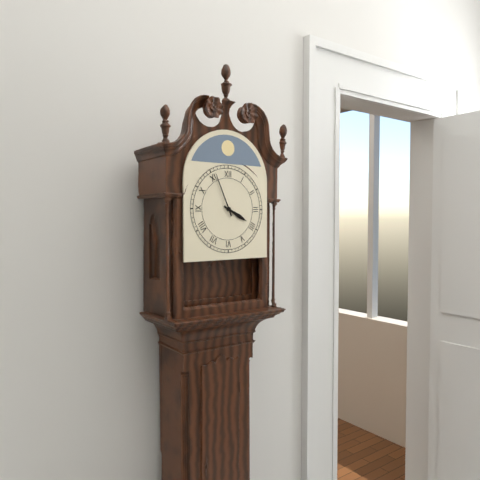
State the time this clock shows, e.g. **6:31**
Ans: **3:56**
